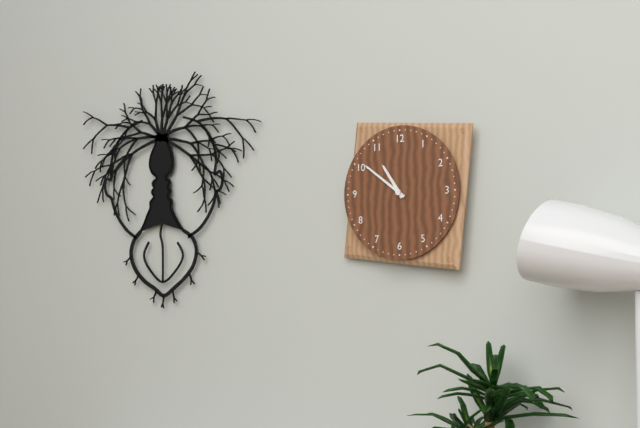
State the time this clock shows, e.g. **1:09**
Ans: **10:51**
